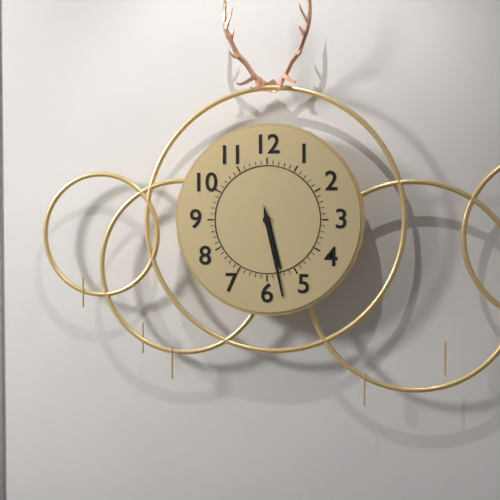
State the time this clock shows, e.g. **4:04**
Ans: **5:28**
